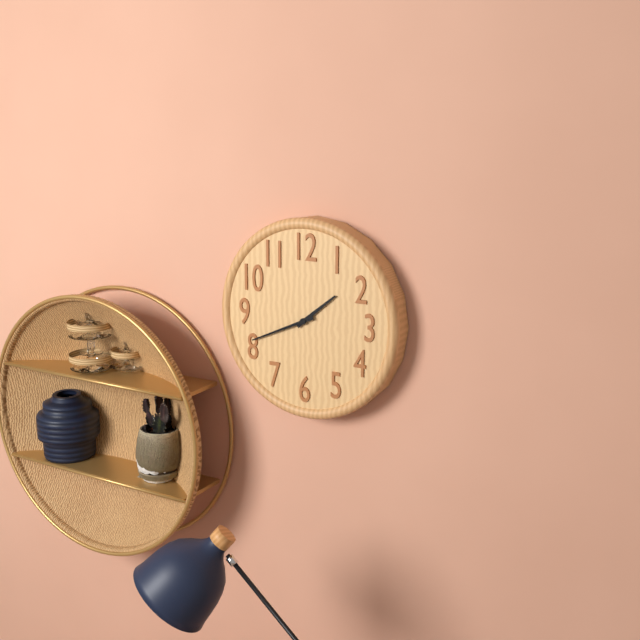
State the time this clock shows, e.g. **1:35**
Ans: **1:41**
